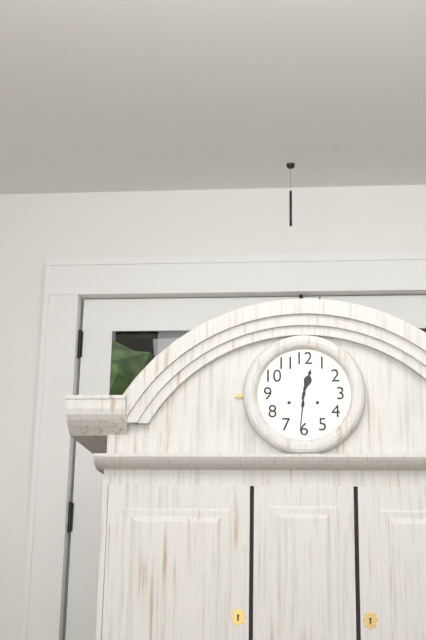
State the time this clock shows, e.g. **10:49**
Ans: **12:31**
